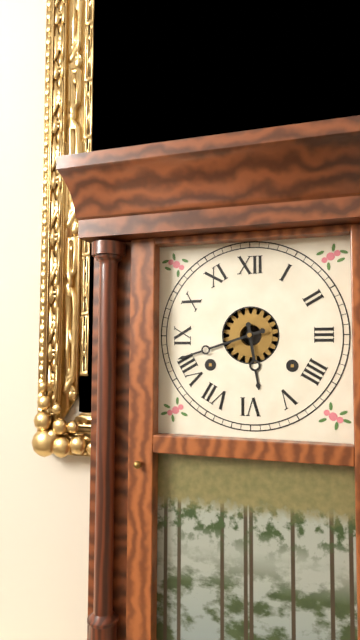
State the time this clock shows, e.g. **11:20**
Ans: **5:42**
